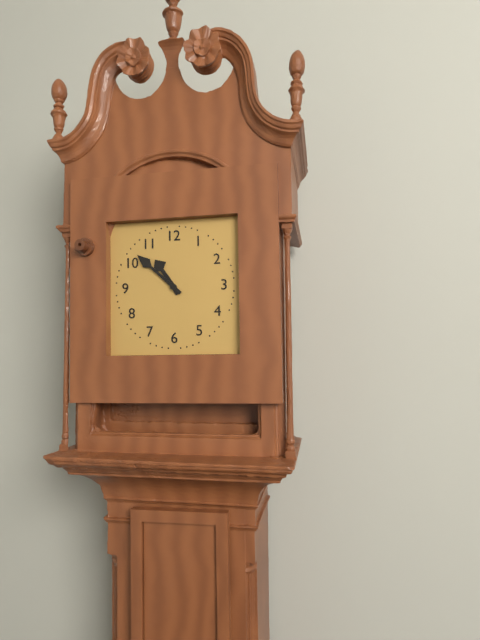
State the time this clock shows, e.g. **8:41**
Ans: **10:52**
